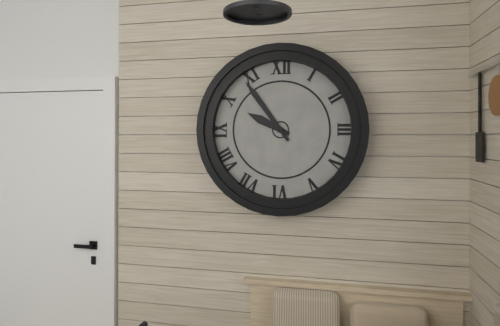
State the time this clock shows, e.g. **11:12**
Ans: **9:54**
